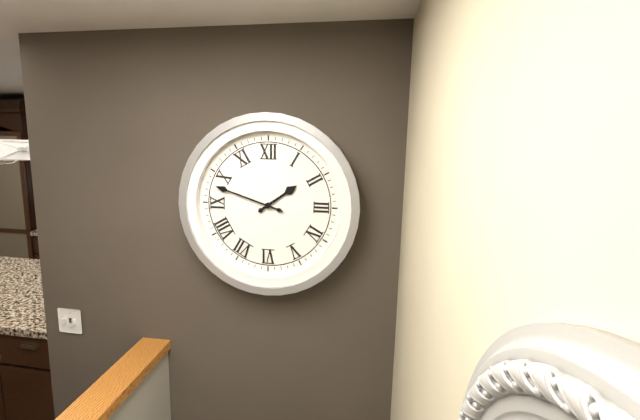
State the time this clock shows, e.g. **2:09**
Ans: **1:48**
